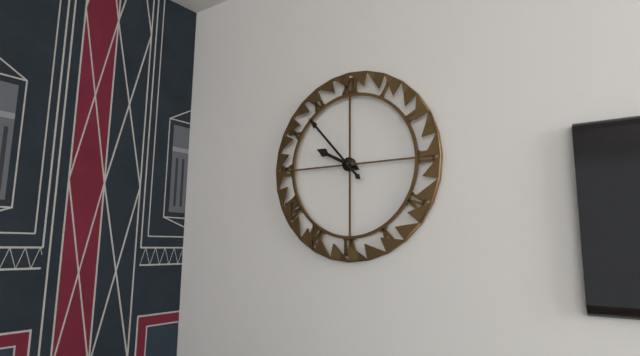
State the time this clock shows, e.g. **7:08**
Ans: **9:53**
